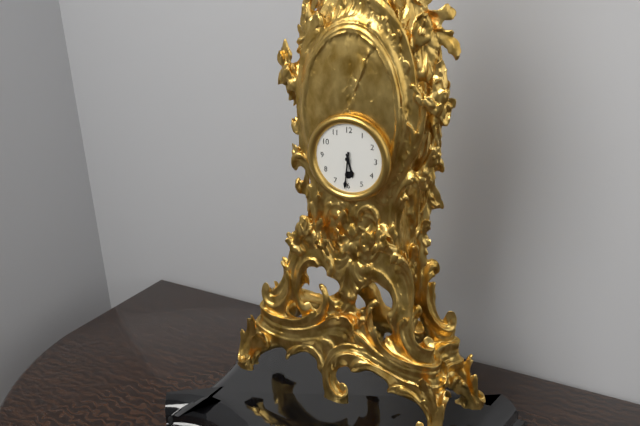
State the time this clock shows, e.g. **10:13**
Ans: **5:31**
